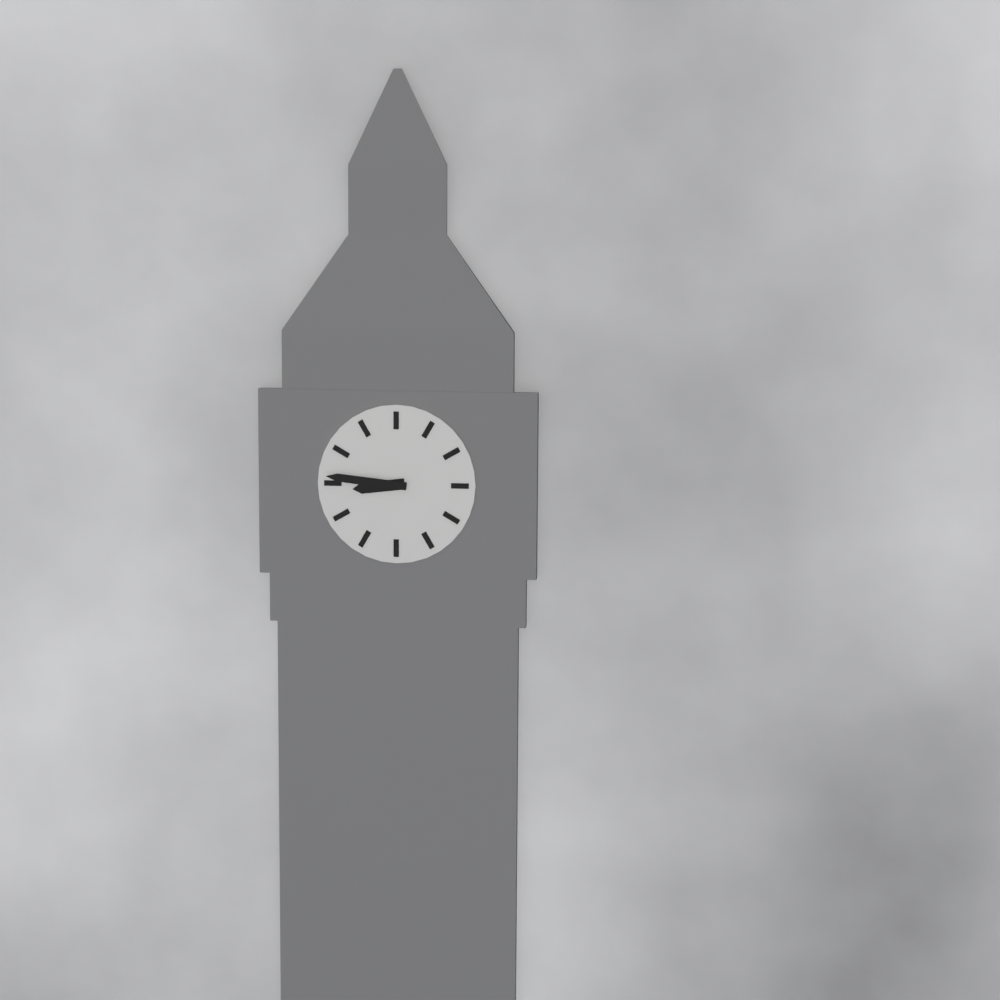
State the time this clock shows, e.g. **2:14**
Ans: **8:46**
